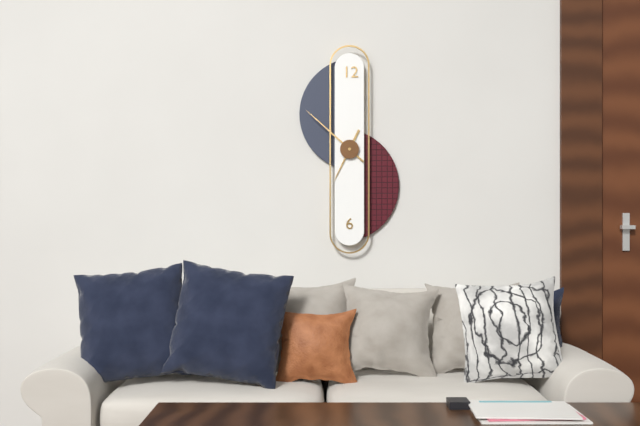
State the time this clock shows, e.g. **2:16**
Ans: **6:52**
